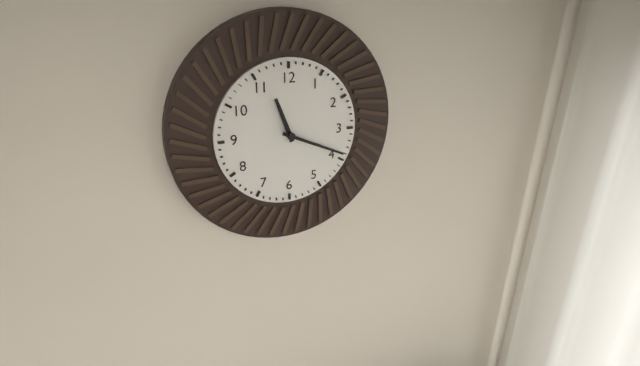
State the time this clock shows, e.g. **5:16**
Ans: **11:19**
